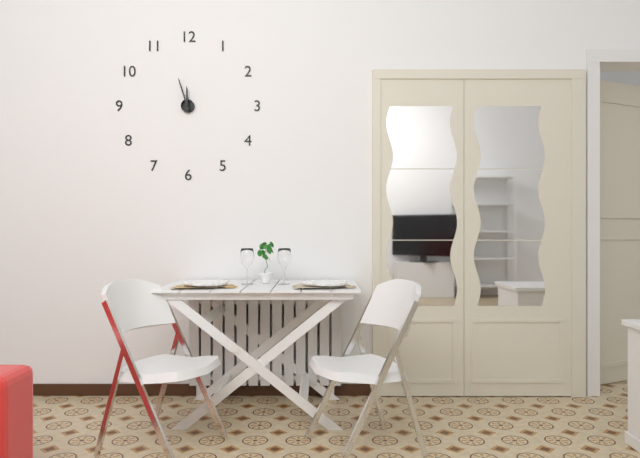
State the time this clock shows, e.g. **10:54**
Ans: **11:57**
